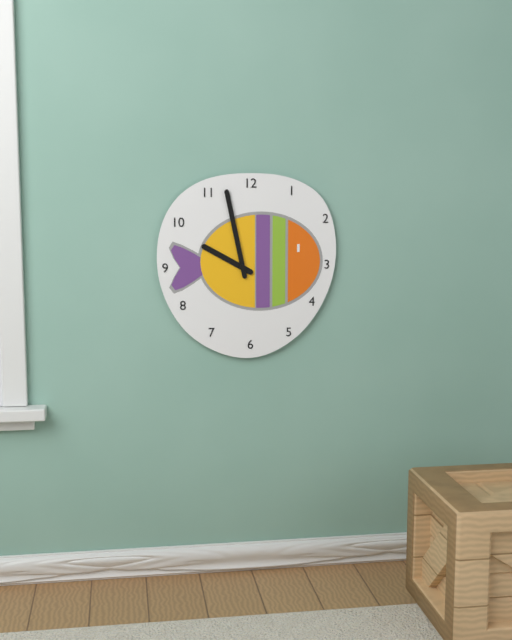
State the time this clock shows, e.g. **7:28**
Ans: **9:58**
